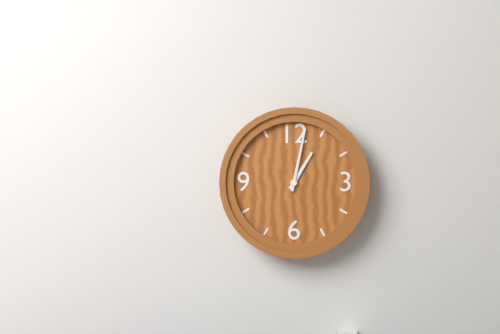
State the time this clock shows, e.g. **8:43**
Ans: **1:02**
